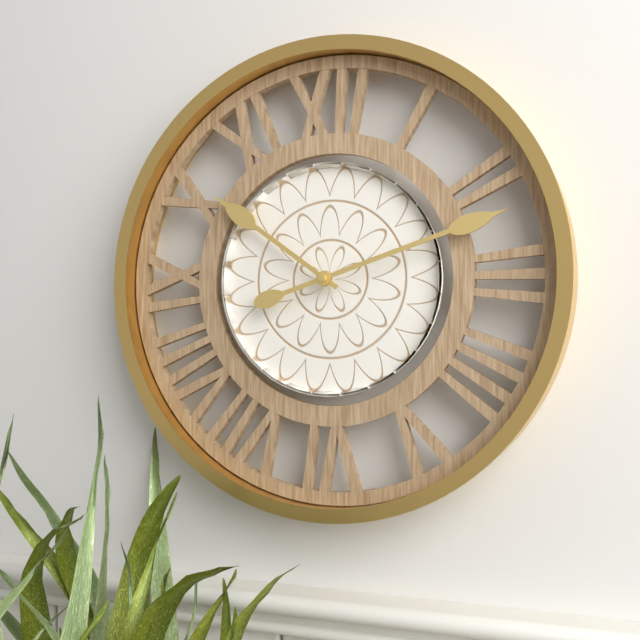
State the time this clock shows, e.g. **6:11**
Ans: **10:12**
